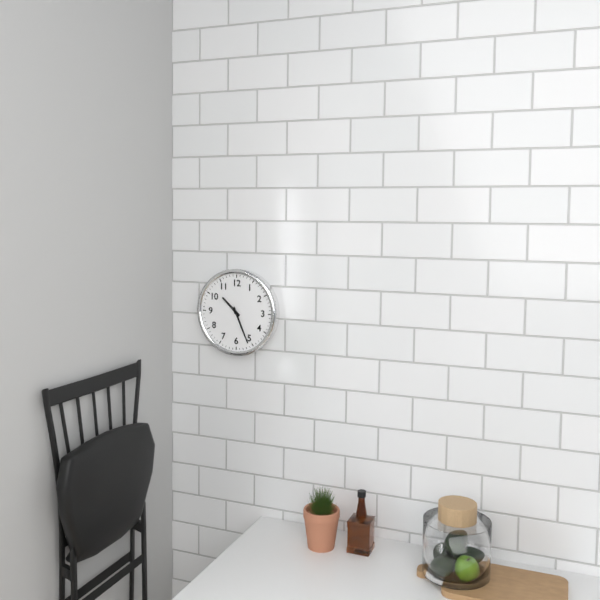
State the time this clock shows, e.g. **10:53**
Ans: **10:26**
